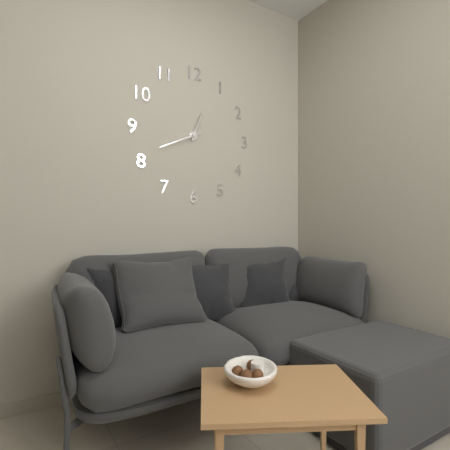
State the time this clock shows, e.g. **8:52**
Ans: **12:41**
